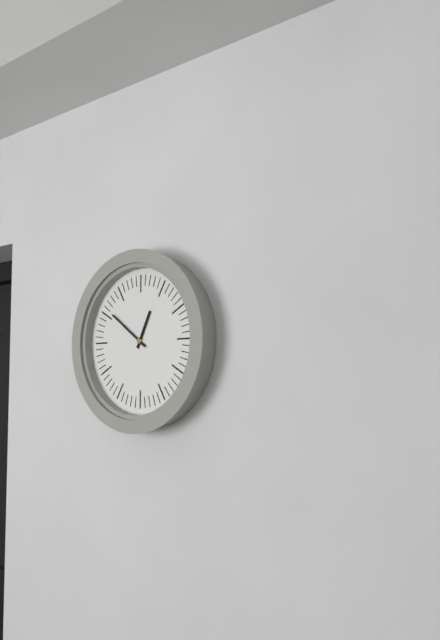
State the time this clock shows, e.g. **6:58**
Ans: **12:51**
